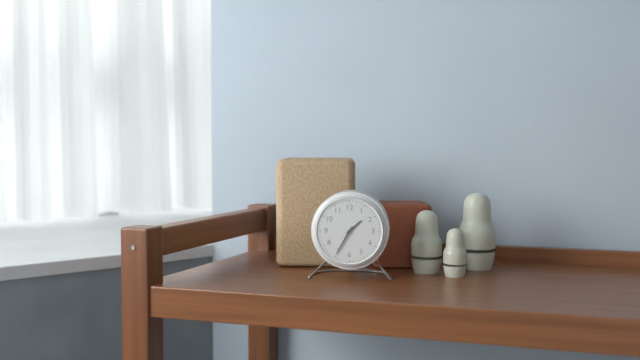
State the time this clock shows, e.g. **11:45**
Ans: **1:35**
